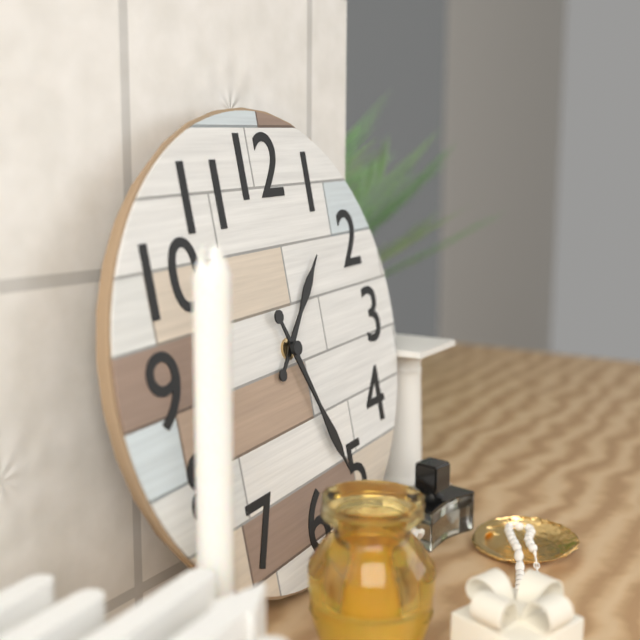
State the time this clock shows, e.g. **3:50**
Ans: **1:26**
